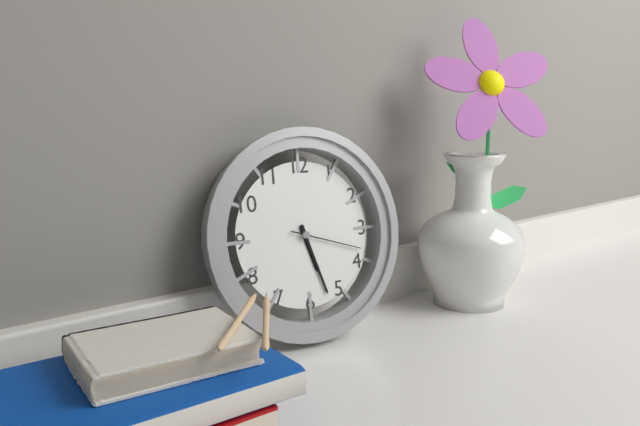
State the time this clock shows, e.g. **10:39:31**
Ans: **5:27:18**
